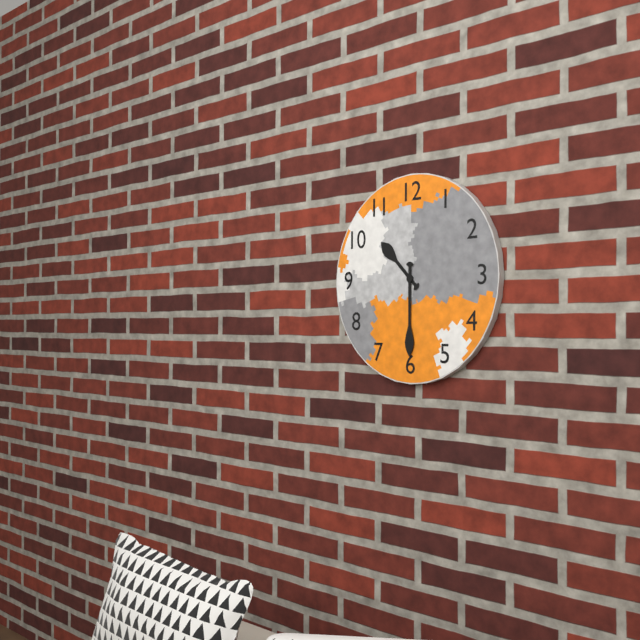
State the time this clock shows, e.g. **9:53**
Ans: **10:30**
